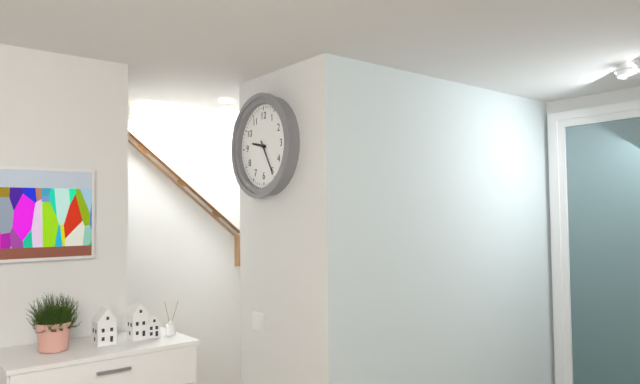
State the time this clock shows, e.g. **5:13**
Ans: **9:25**
